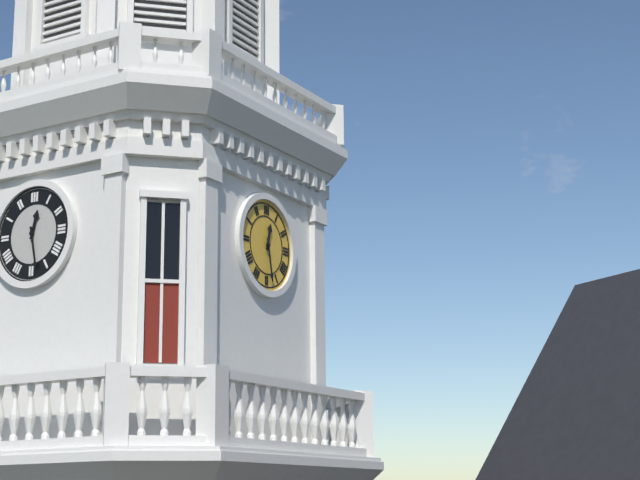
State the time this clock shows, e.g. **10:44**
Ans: **12:28**
